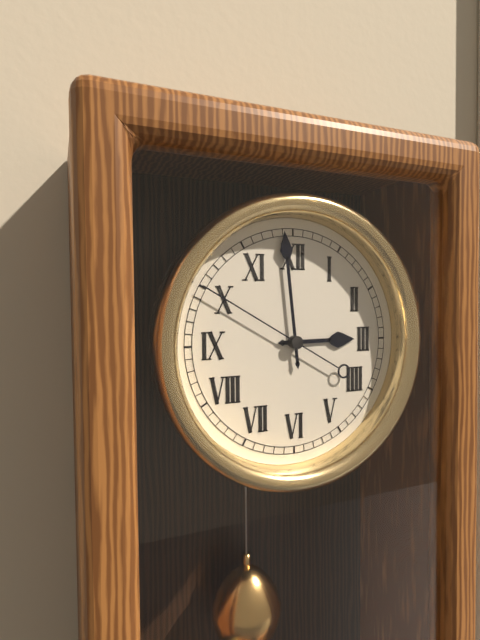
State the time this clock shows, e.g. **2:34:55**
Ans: **2:59:50**
